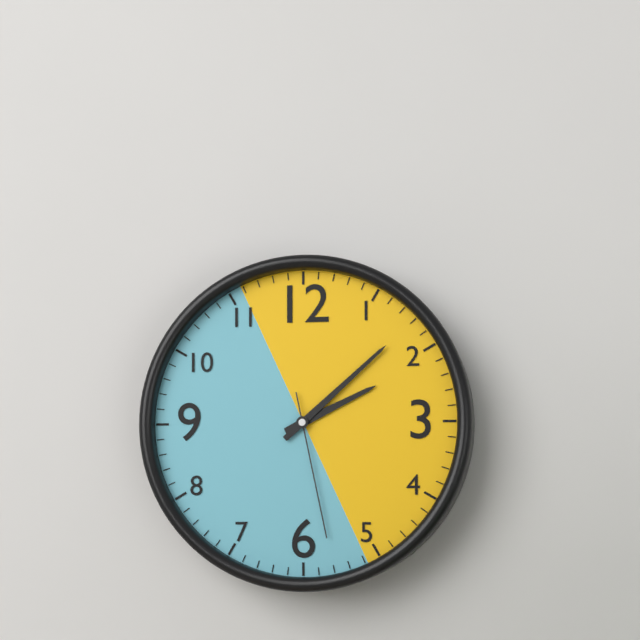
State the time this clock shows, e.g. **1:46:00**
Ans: **2:08:28**
